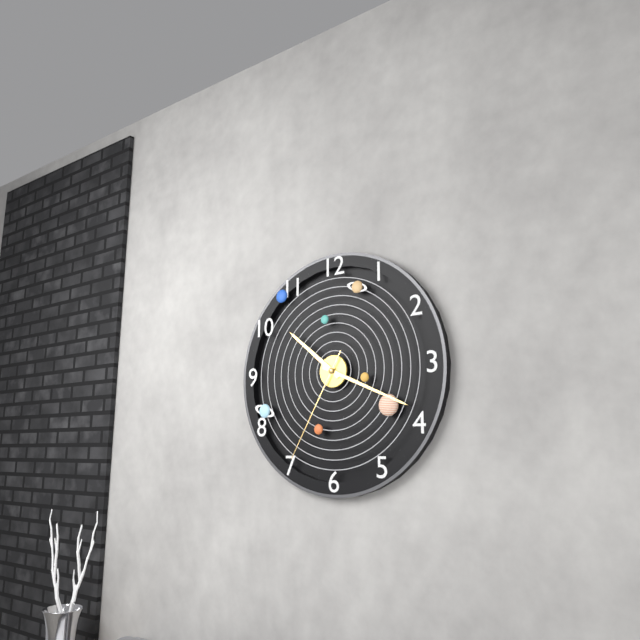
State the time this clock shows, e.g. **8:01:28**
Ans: **10:19:35**
